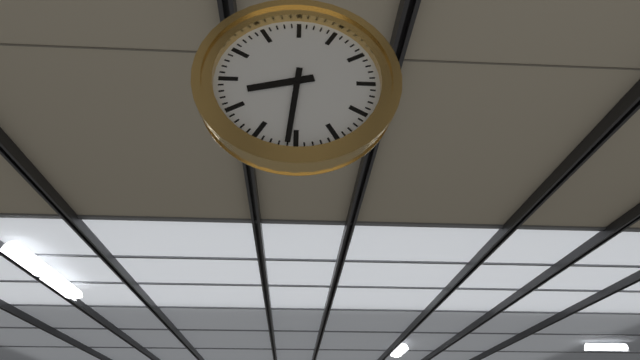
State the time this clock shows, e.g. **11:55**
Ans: **8:31**
